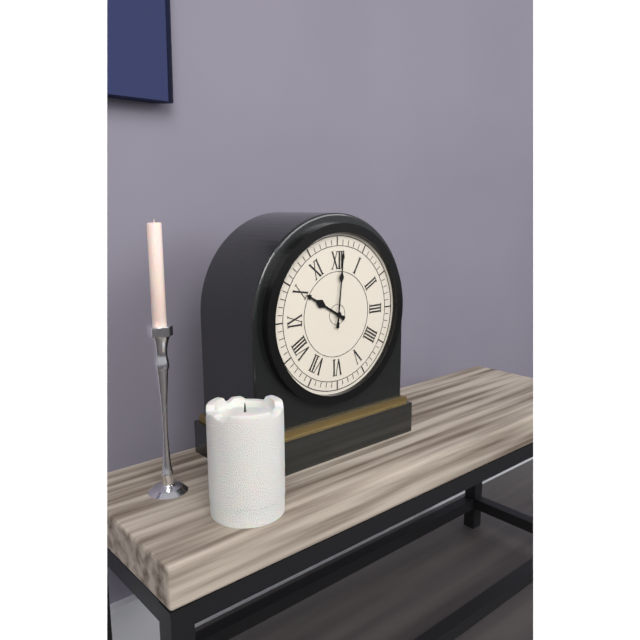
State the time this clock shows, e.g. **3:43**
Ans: **10:01**
